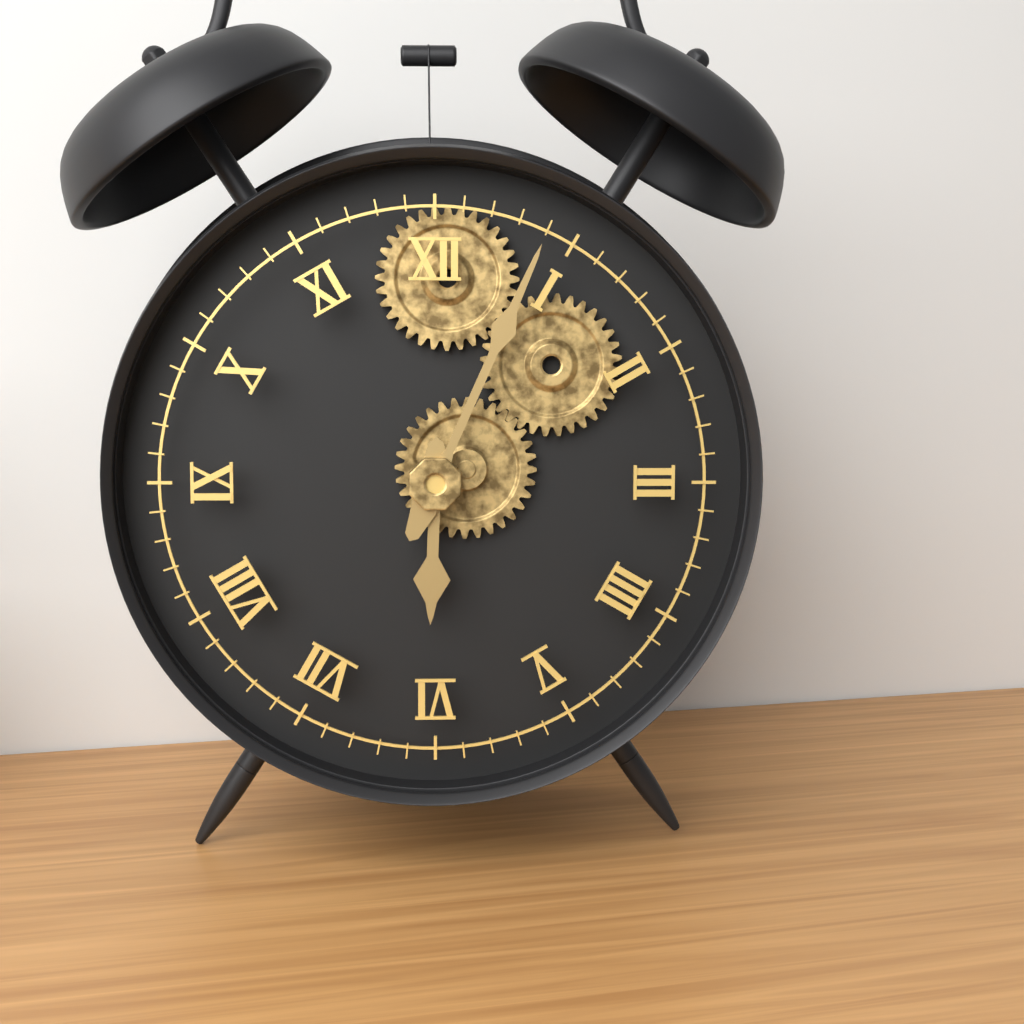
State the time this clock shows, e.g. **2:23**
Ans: **6:04**
